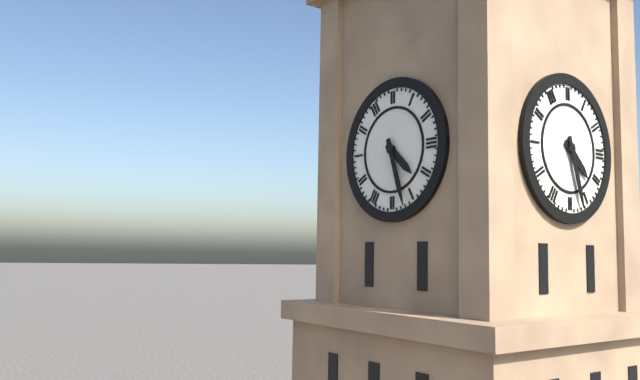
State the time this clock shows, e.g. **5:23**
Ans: **4:27**
